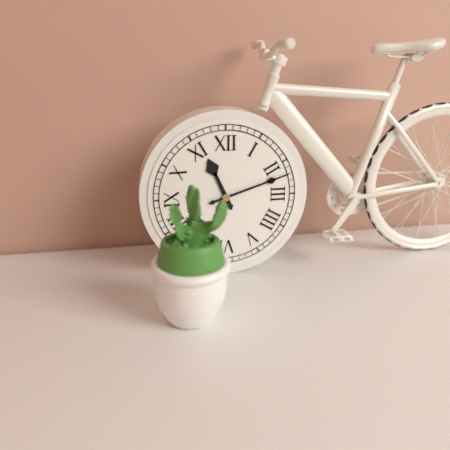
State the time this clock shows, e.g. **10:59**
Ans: **11:12**
